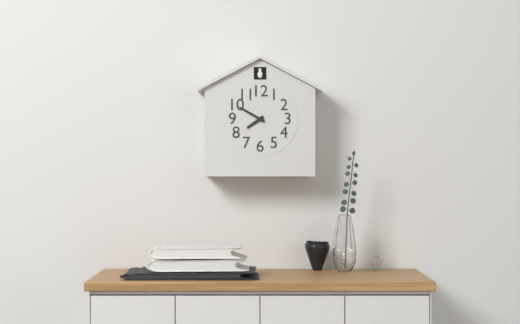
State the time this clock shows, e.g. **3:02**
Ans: **7:50**
